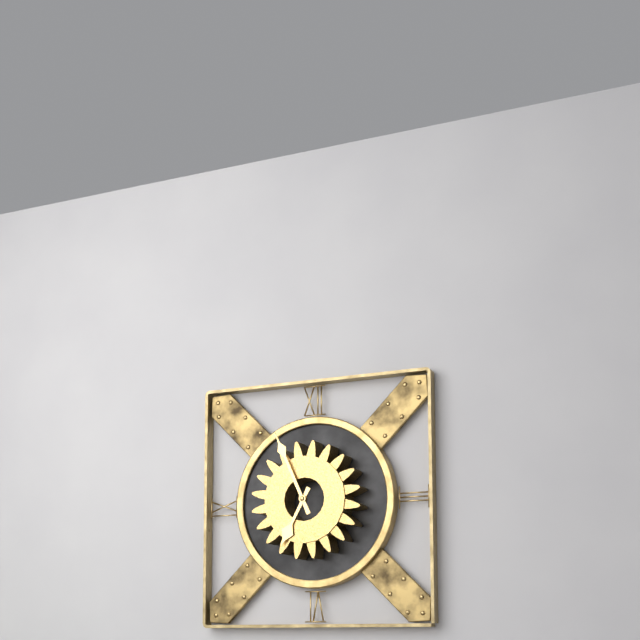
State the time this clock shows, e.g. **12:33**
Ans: **6:56**
